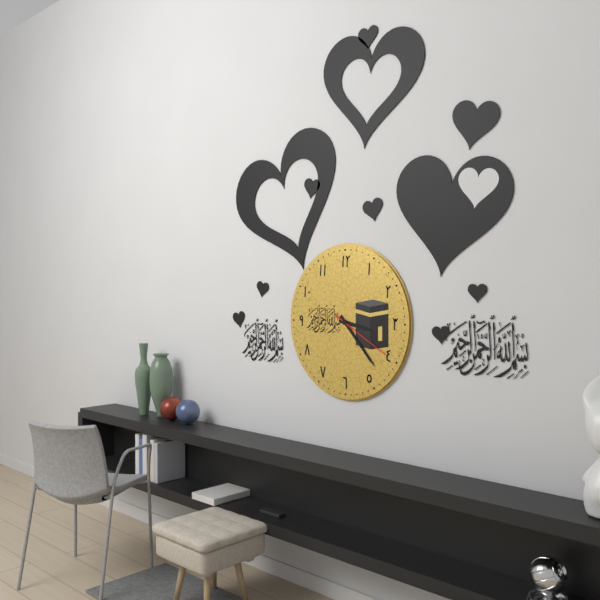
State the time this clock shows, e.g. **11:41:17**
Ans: **3:23:20**
